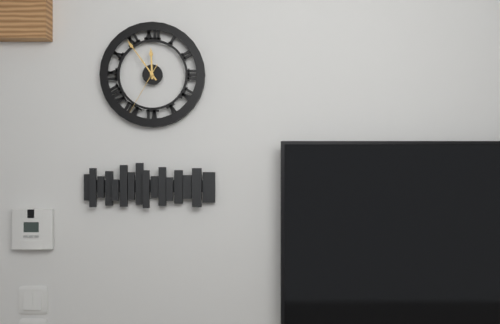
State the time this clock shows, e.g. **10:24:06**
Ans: **11:54:35**
